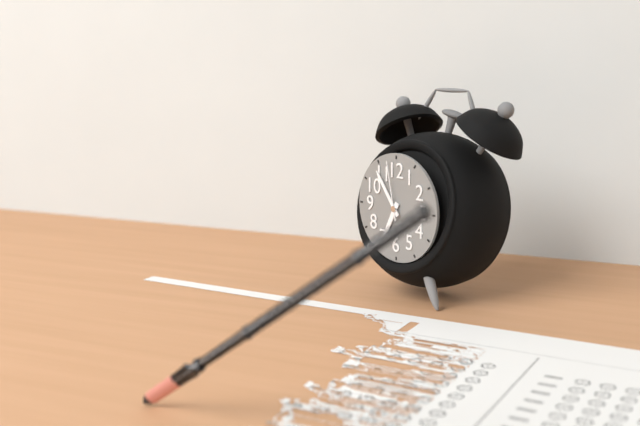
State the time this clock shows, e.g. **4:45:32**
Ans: **6:54:58**
